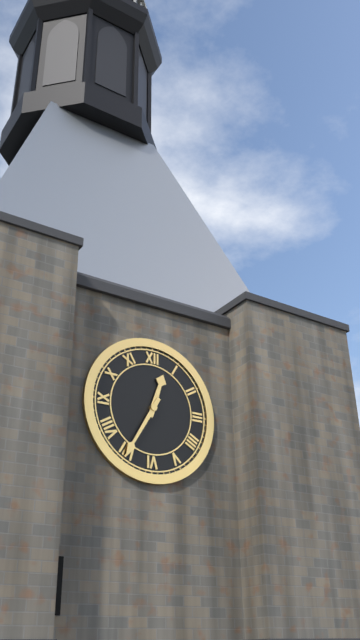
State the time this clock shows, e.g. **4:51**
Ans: **12:35**
